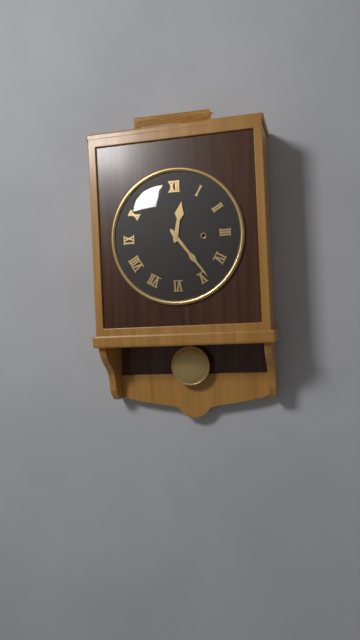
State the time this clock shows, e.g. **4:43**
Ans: **12:24**
